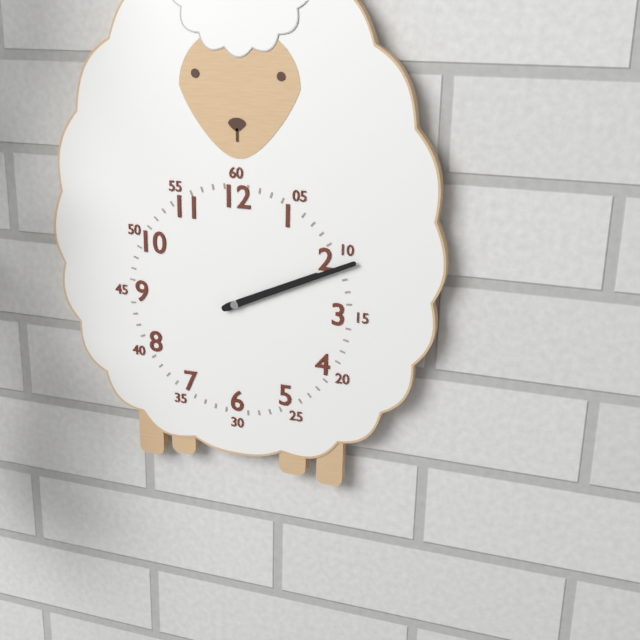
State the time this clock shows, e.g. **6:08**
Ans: **2:11**
